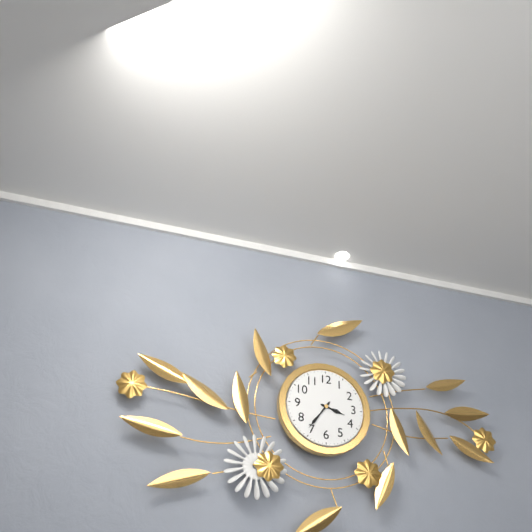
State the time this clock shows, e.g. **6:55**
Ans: **3:36**
